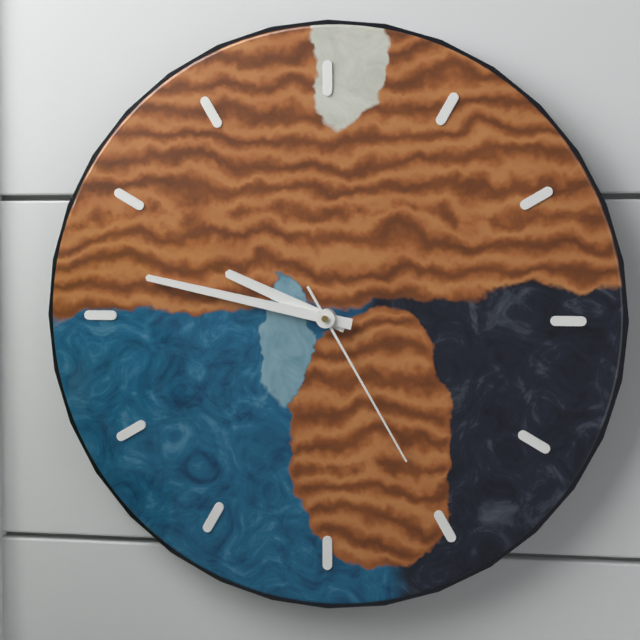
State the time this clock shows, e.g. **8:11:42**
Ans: **9:47:25**
